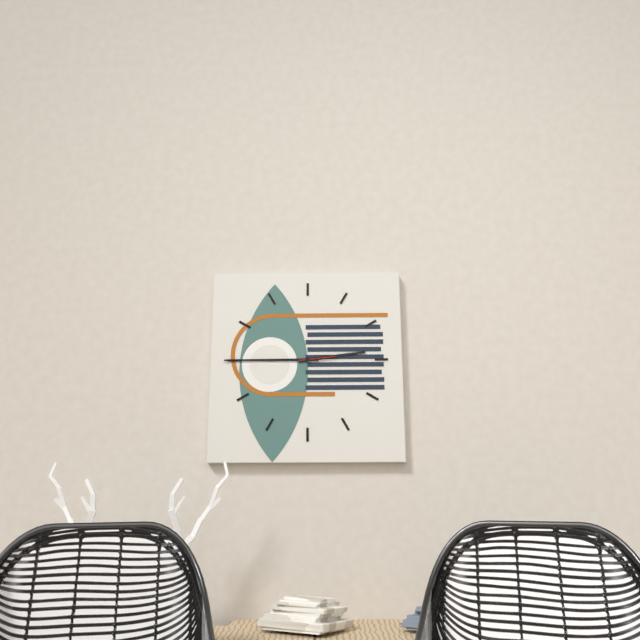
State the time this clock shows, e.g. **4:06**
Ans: **2:45**
